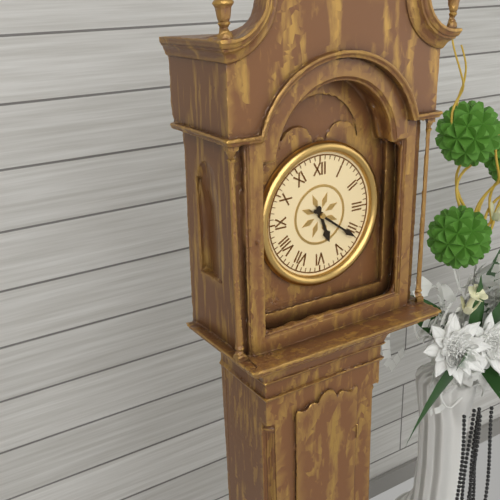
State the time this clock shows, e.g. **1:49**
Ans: **5:21**
